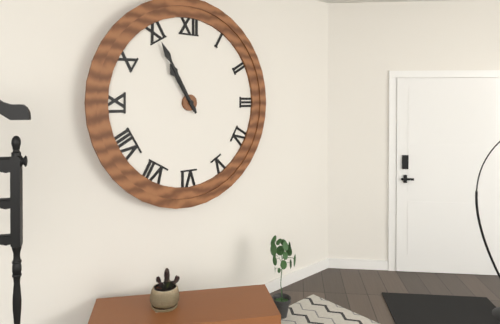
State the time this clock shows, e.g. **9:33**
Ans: **10:55**
